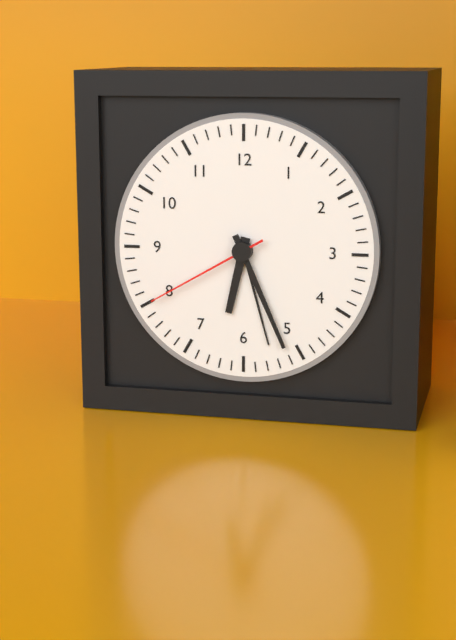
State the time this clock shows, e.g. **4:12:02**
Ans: **6:26:40**
